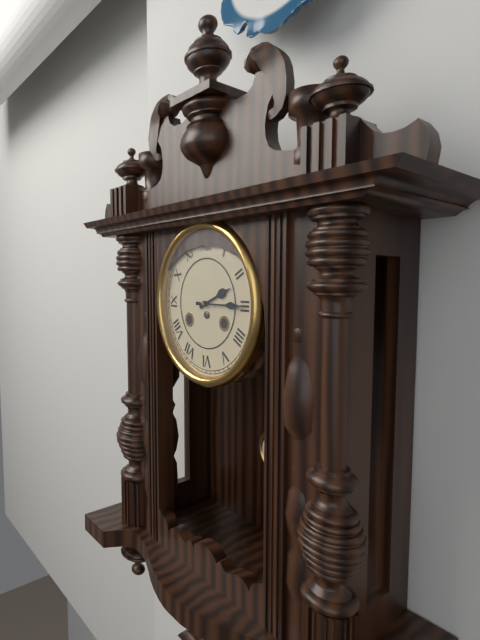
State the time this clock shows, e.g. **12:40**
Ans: **2:15**
